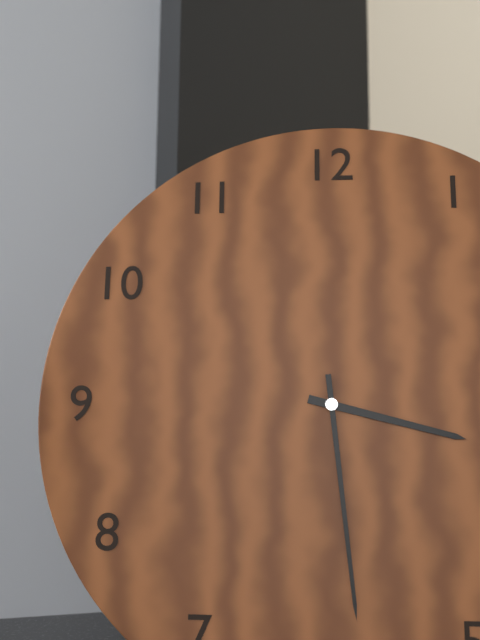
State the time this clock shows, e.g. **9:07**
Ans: **3:29**
